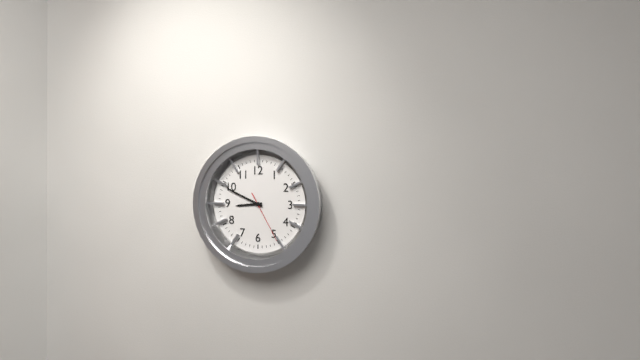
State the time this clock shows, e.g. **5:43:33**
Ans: **8:49:25**
